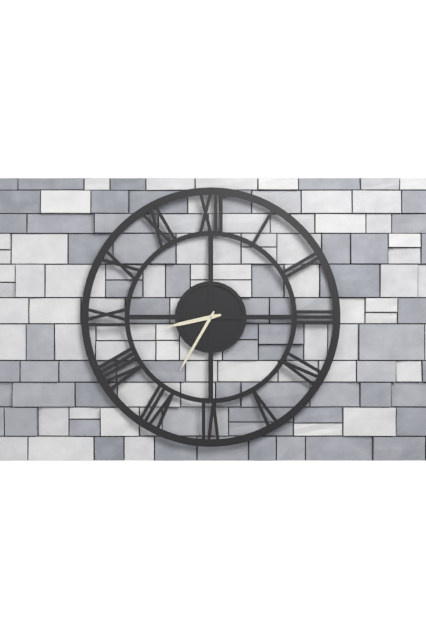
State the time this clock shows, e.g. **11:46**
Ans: **8:35**
